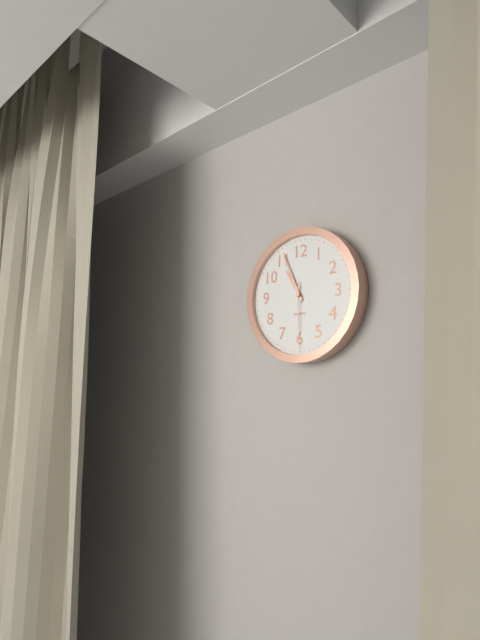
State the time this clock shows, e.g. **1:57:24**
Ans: **10:56:30**
